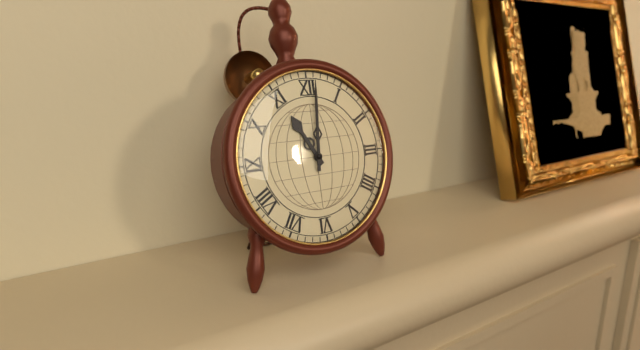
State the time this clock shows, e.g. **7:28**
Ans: **11:01**
